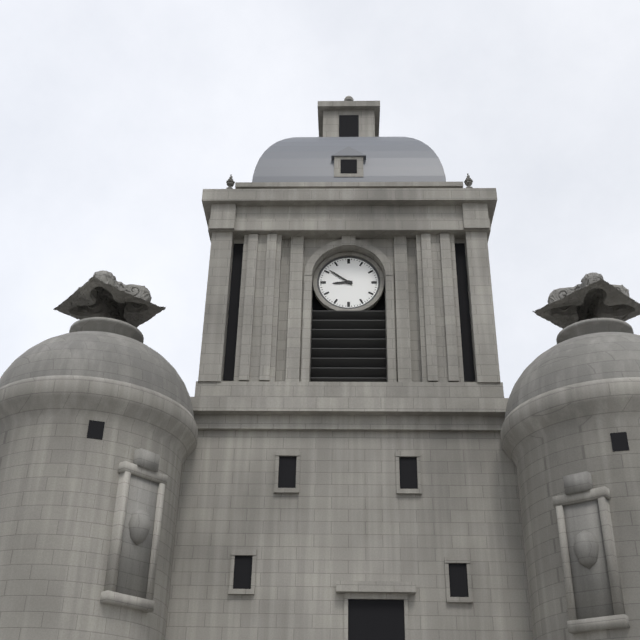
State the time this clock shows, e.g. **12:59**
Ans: **8:51**
